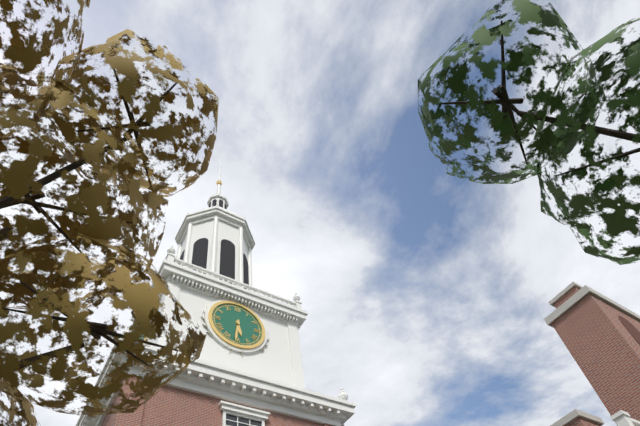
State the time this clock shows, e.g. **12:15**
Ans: **5:31**
